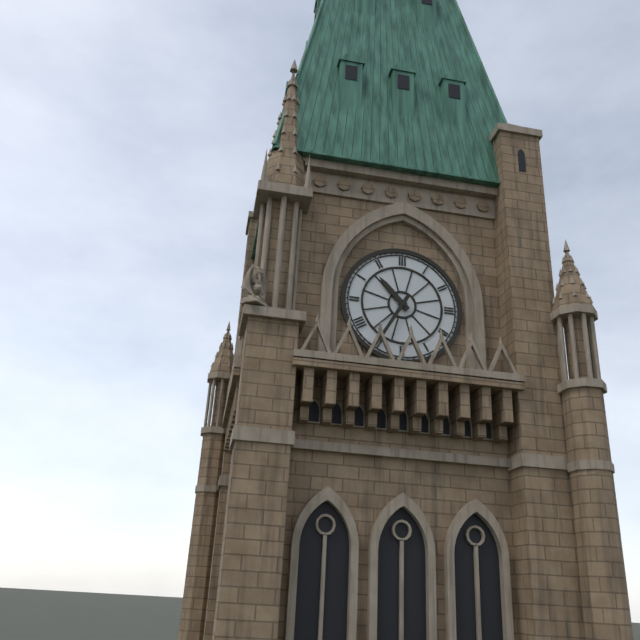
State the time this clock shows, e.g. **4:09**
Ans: **10:35**
